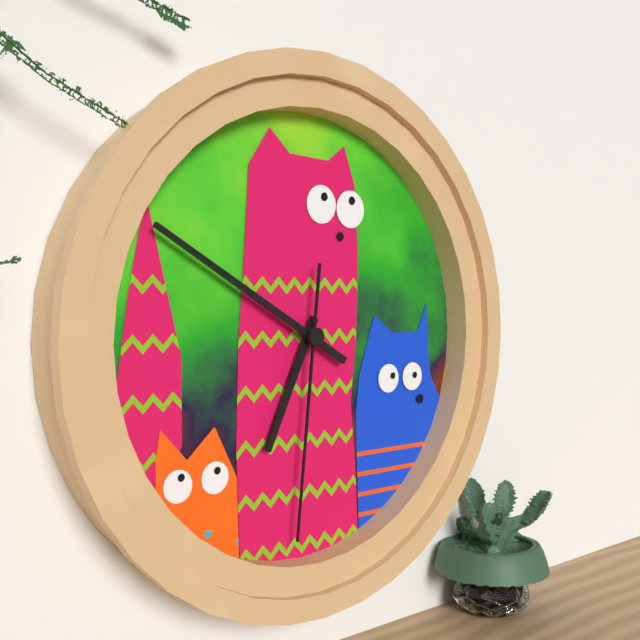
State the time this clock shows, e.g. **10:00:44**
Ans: **6:50:31**
